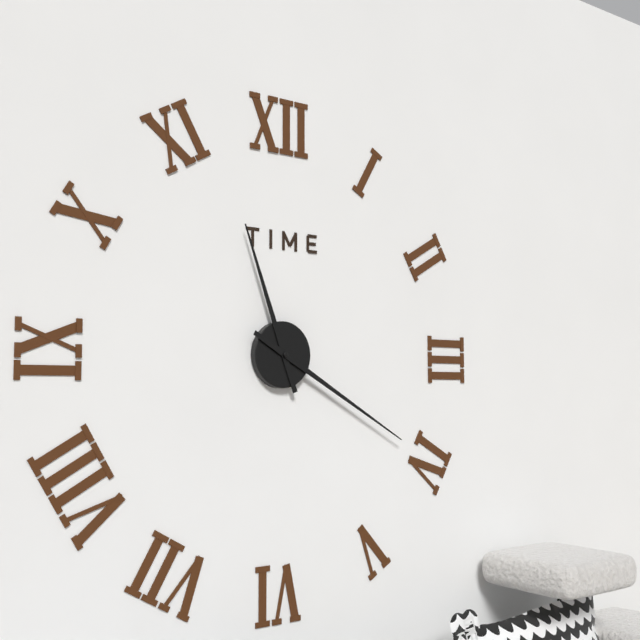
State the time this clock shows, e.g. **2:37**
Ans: **11:20**
